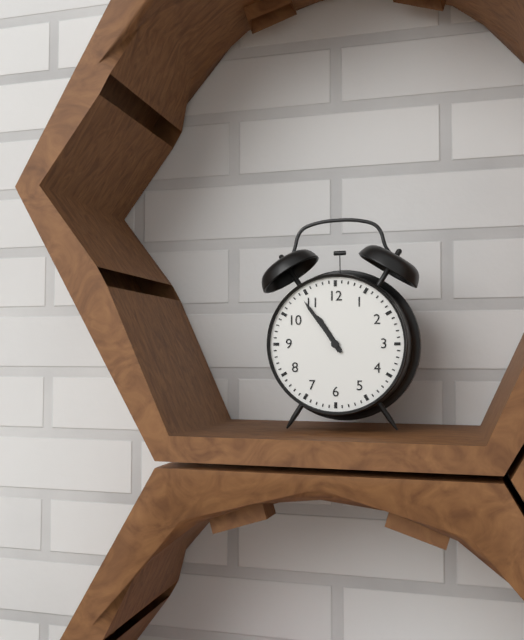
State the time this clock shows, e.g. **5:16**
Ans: **10:54**
